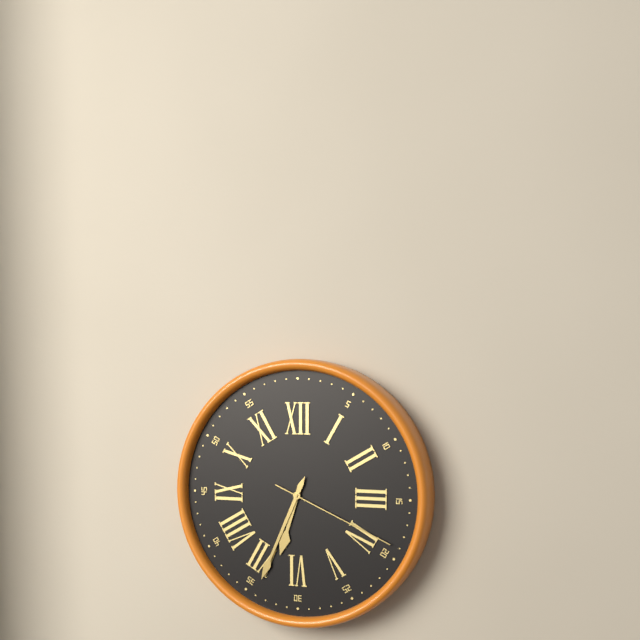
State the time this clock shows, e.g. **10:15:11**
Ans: **6:34:19**
